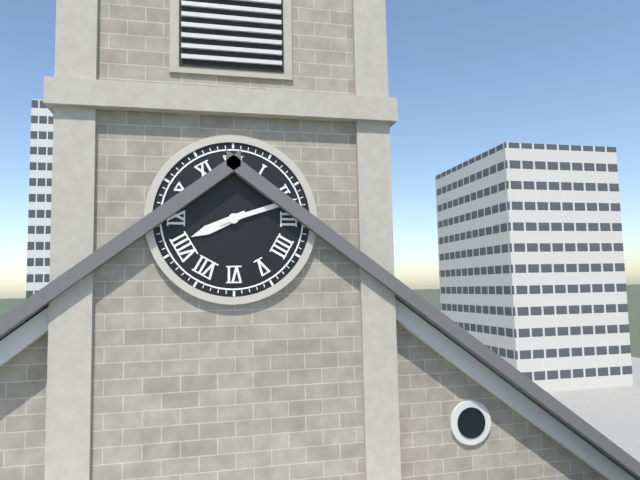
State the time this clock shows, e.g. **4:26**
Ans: **8:12**
